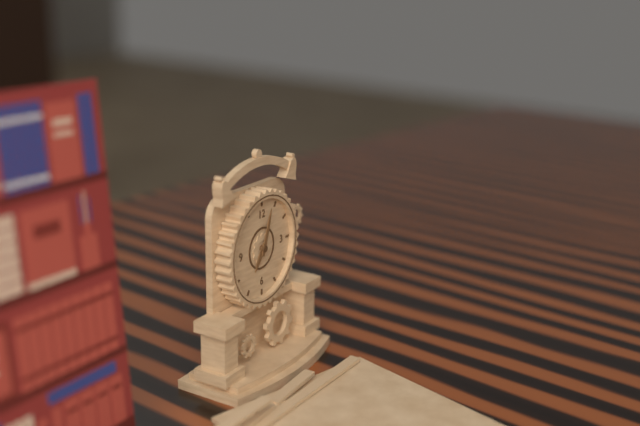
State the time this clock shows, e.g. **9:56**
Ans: **7:03**
